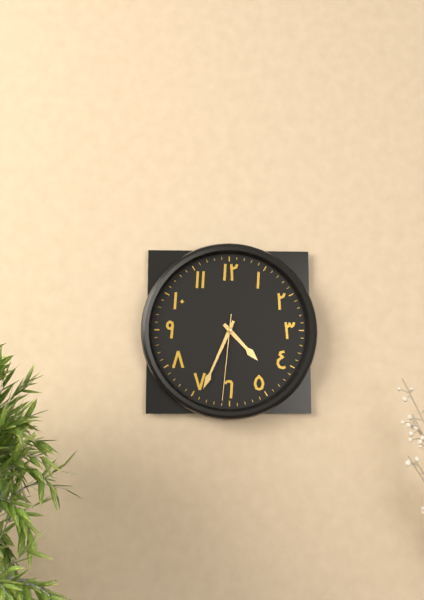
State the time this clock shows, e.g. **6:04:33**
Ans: **4:34:31**
